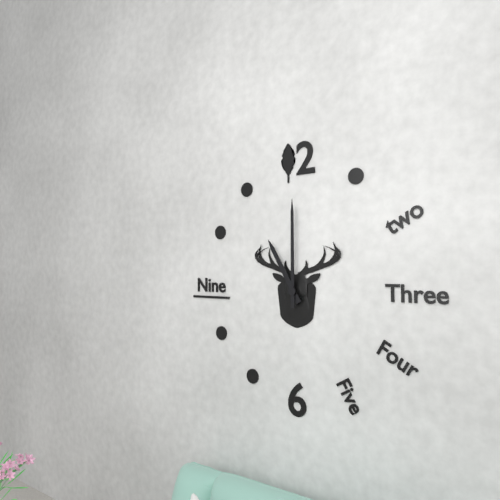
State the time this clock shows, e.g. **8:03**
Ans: **11:00**
